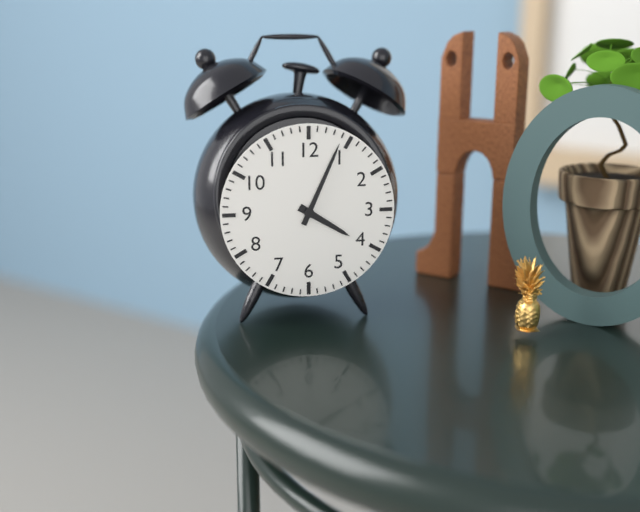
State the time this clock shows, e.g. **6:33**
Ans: **4:04**
